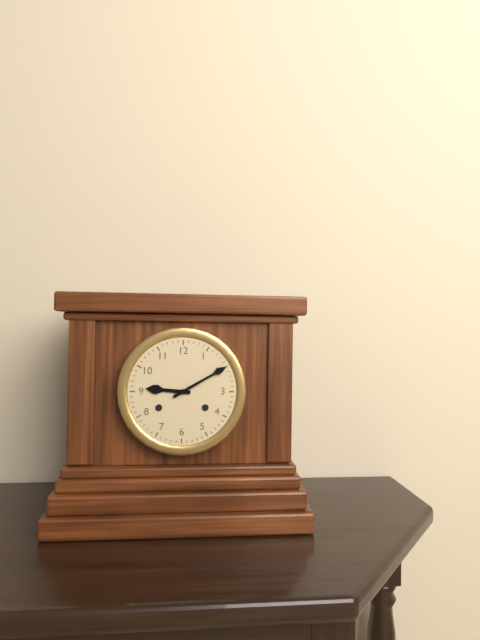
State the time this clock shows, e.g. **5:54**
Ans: **9:10**
